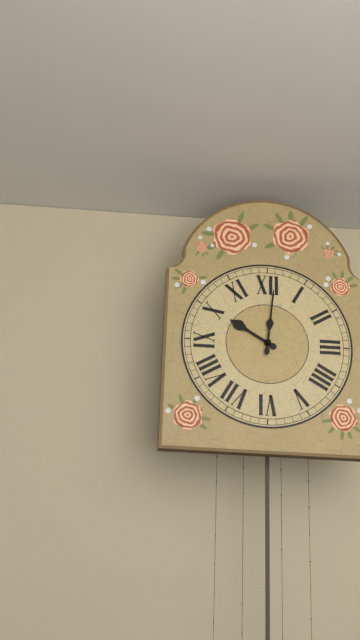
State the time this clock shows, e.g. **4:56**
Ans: **10:01**
